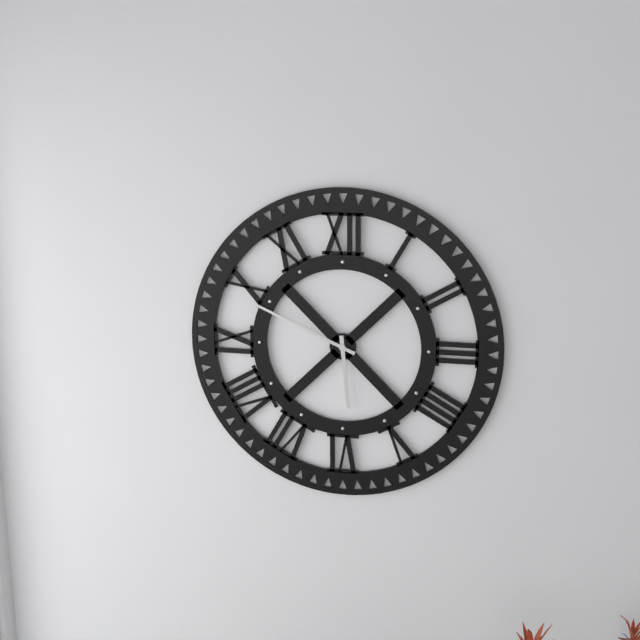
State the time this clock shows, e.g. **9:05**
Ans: **5:49**
